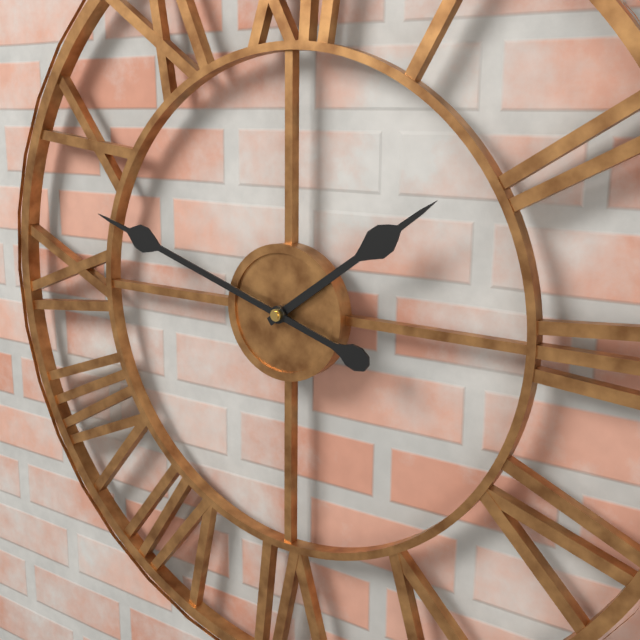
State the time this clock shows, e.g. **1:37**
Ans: **1:48**
